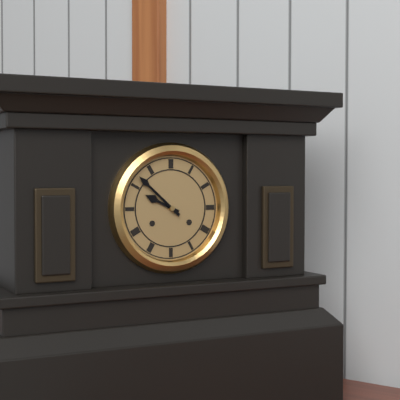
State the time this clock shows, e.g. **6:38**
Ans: **9:52**
